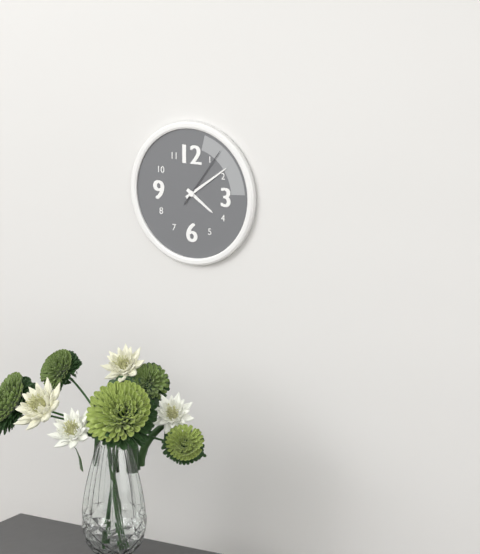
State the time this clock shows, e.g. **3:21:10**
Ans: **4:09:06**
